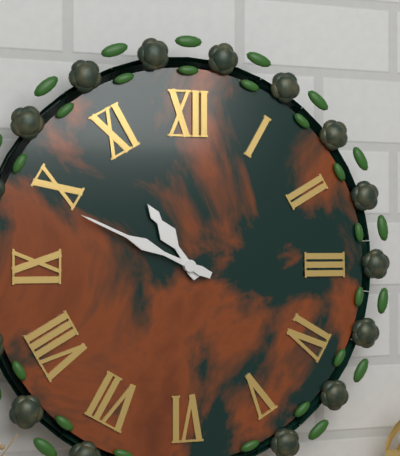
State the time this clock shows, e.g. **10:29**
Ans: **10:49**
